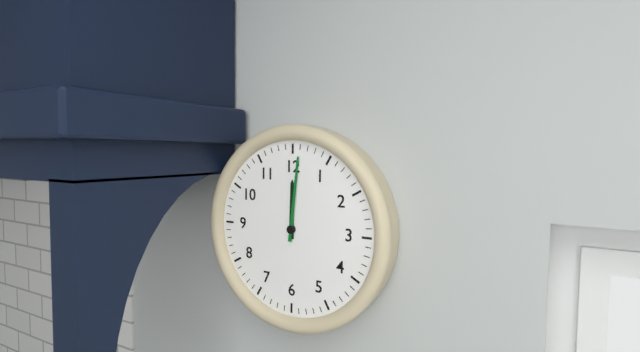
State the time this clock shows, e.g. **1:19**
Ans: **12:01**
